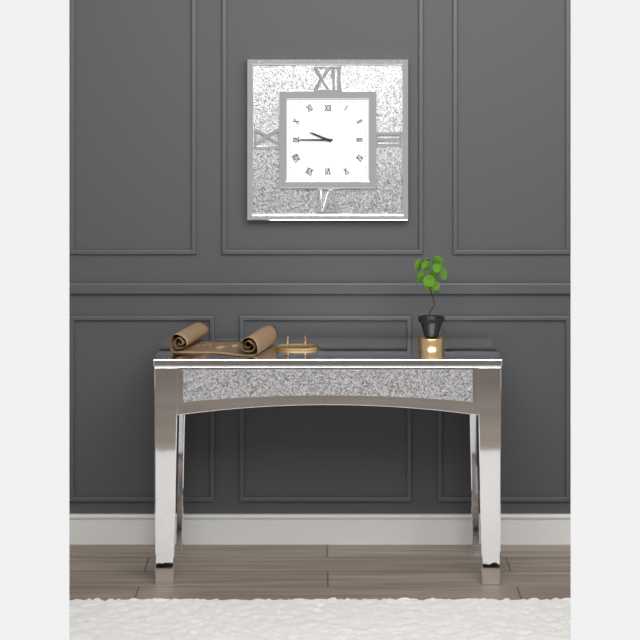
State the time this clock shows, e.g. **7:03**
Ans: **9:45**
